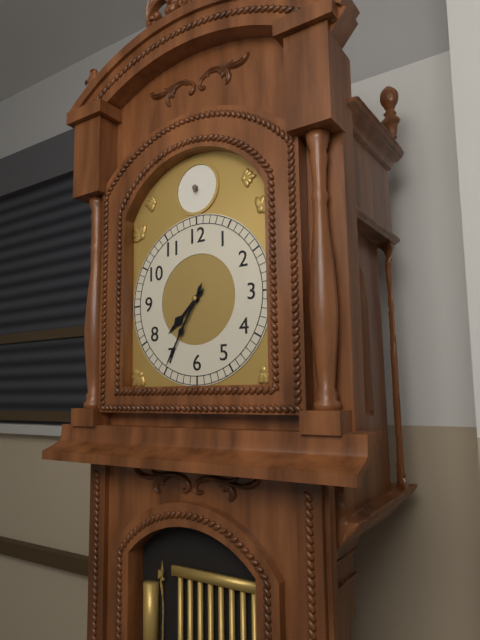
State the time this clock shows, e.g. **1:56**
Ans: **7:35**
